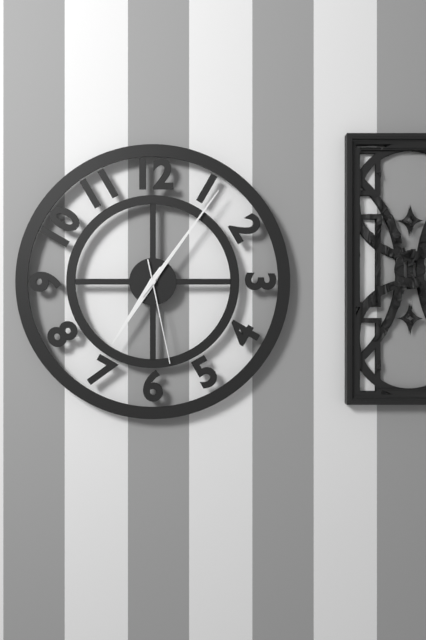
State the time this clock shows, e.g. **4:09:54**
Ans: **7:06:28**
